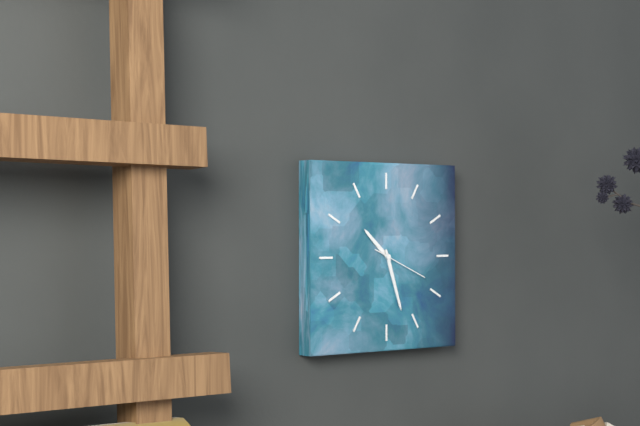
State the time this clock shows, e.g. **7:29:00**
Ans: **10:27:19**
